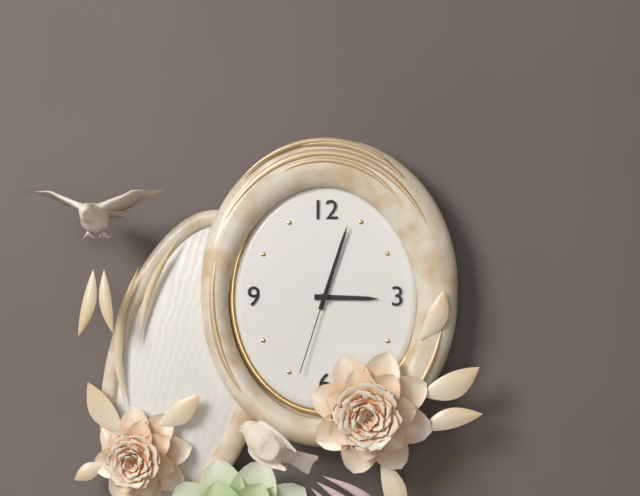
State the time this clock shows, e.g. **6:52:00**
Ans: **3:03:33**
